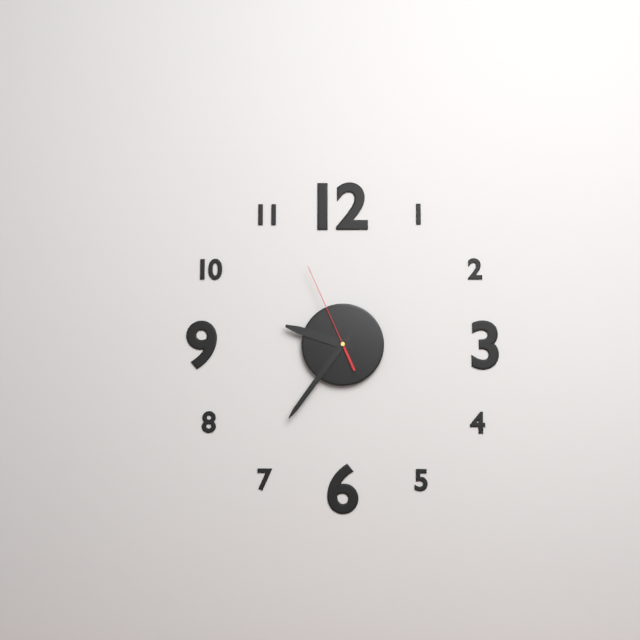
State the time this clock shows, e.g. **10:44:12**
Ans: **9:36:56**
